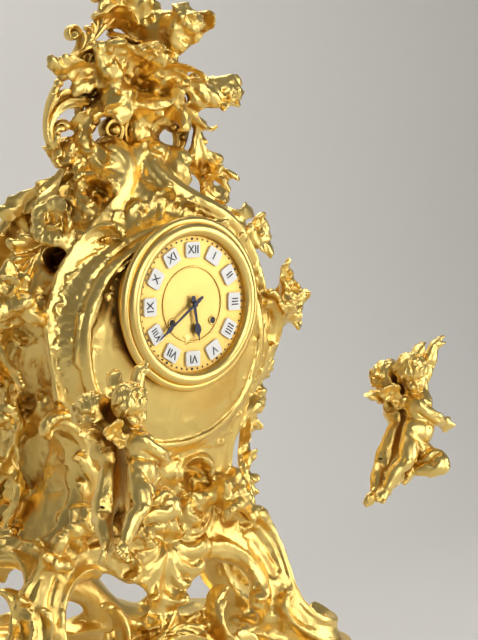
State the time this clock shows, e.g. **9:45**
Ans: **5:39**
